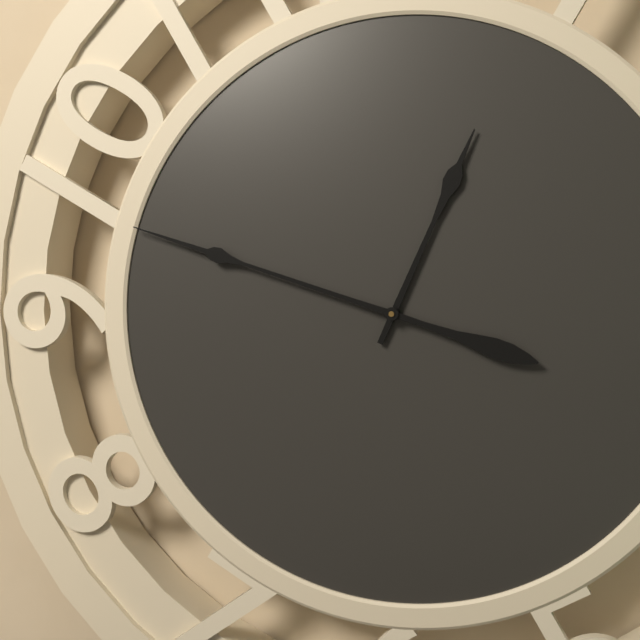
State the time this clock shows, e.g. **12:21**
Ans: **12:48**
